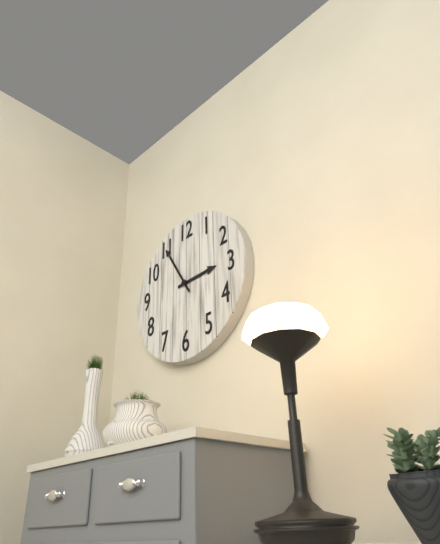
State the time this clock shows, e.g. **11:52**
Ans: **2:55**
